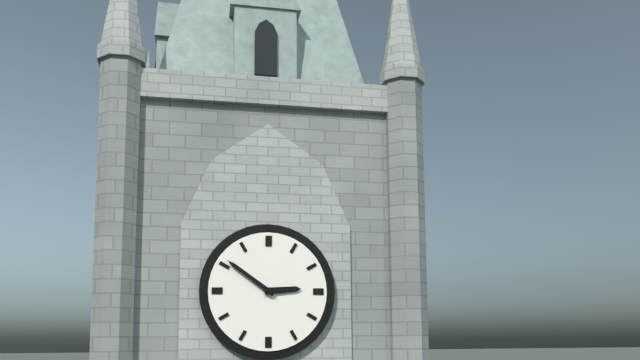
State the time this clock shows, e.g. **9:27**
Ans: **2:51**
